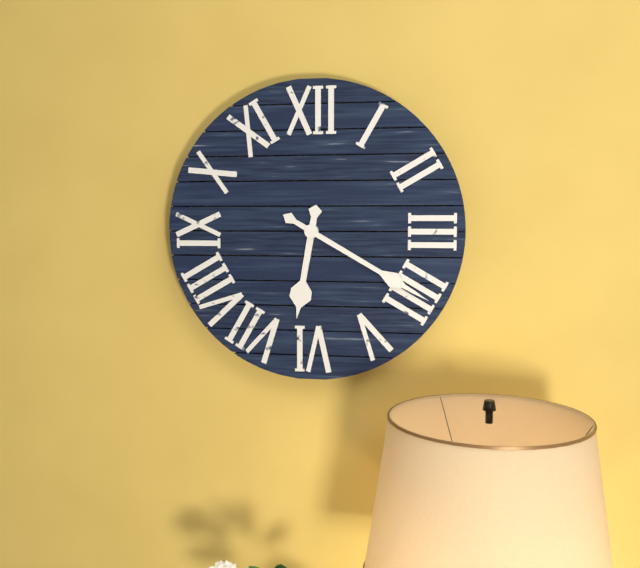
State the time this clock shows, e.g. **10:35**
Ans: **6:20**
